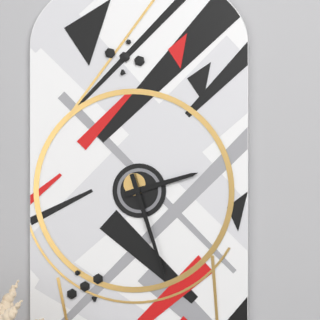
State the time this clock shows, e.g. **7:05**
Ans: **2:27**
